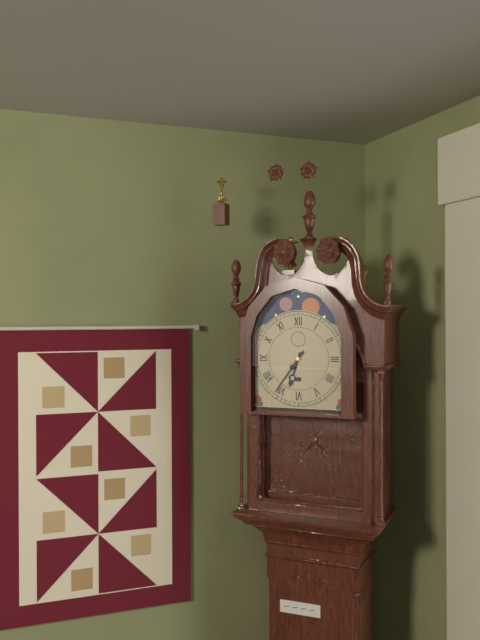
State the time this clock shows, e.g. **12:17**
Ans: **6:36**
